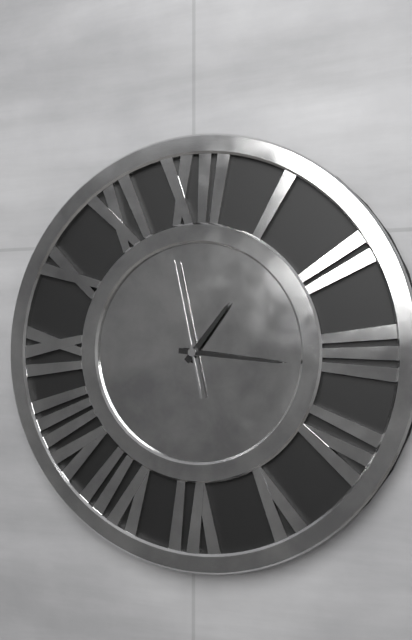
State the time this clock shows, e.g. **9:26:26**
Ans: **1:16:58**
